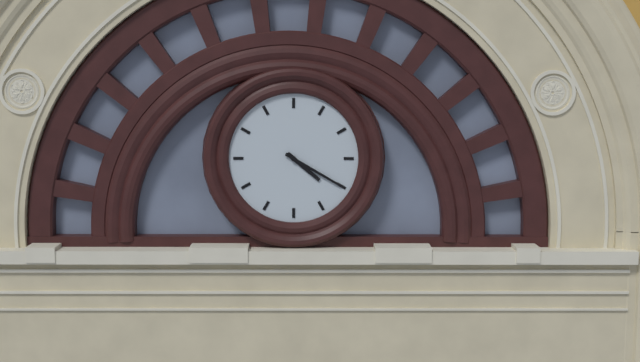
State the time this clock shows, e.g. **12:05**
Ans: **4:20**
